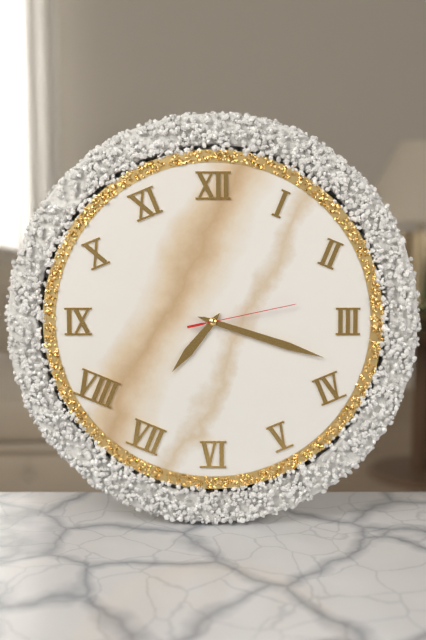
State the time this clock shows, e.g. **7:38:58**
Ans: **7:18:13**
